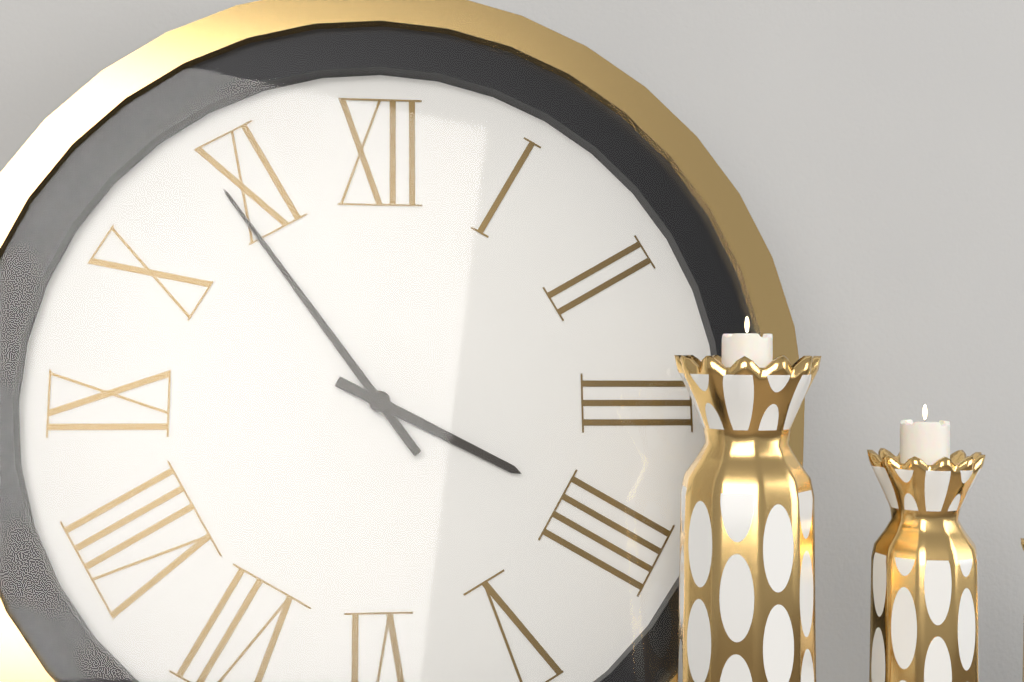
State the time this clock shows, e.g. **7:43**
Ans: **3:54**
